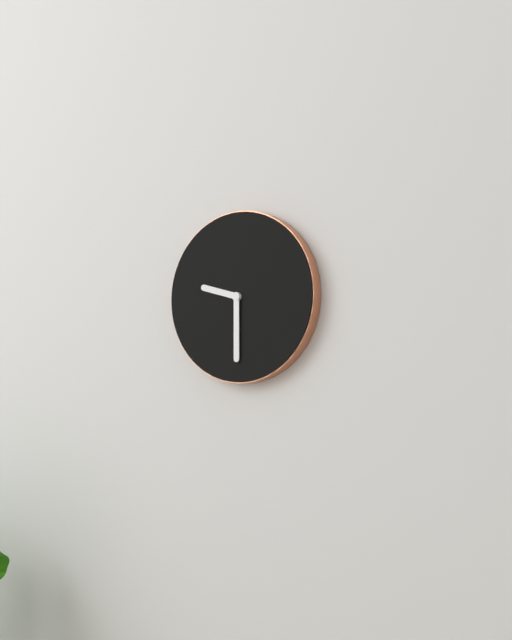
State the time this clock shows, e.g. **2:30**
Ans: **9:30**
